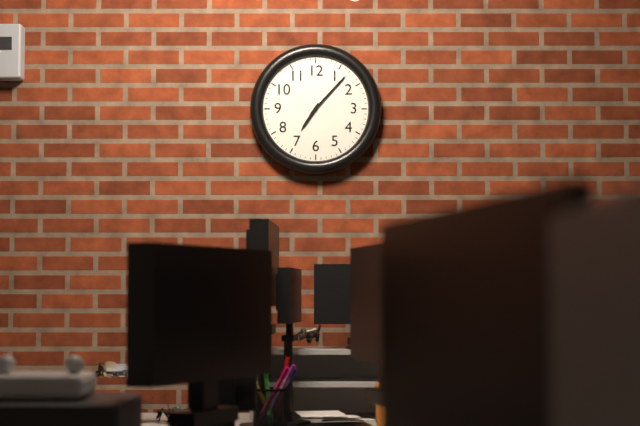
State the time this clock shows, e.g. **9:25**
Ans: **7:07**
